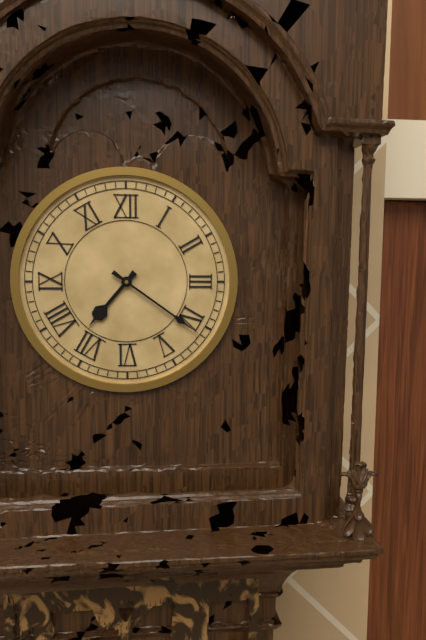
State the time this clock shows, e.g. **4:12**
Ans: **7:21**
